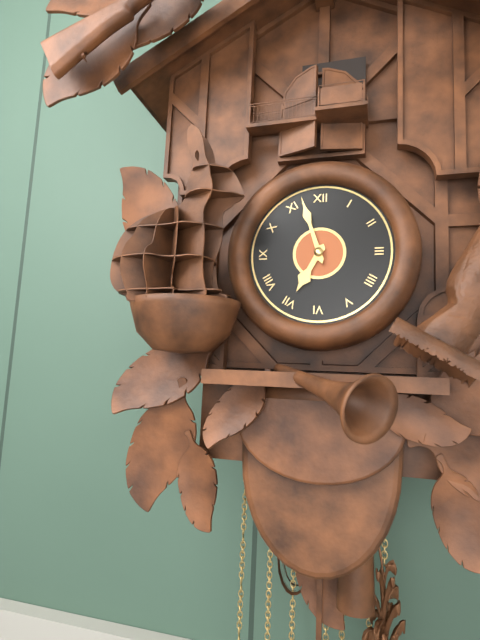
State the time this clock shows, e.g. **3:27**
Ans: **6:57**
